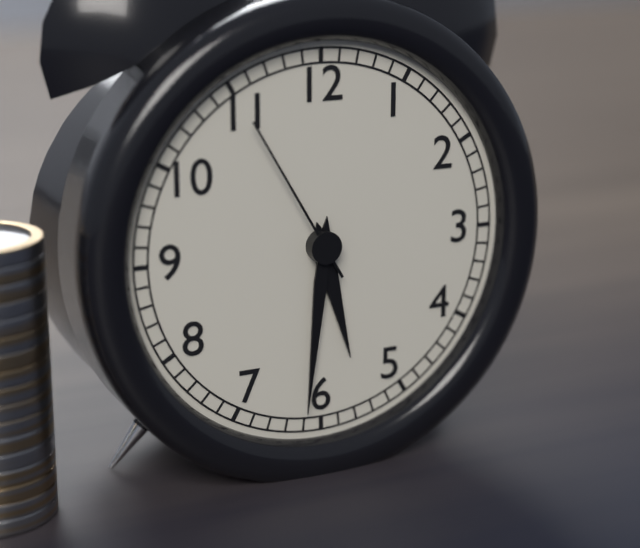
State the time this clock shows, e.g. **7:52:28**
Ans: **5:31:55**
